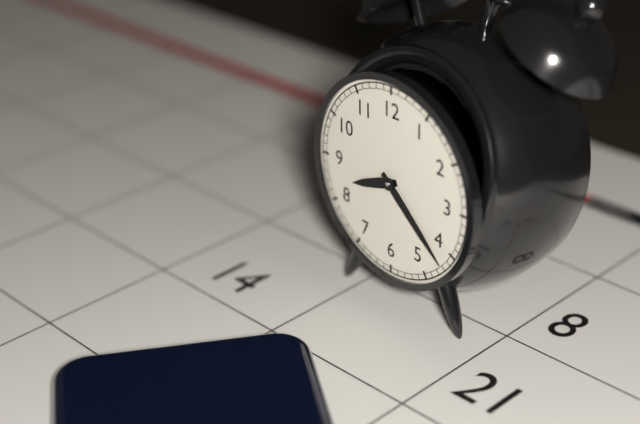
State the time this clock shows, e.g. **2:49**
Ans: **8:22**
